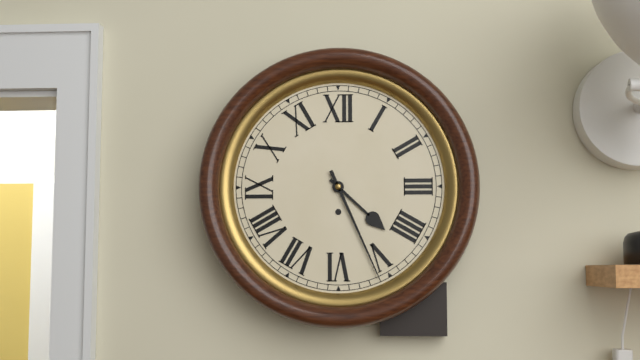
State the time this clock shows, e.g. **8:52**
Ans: **4:26**
